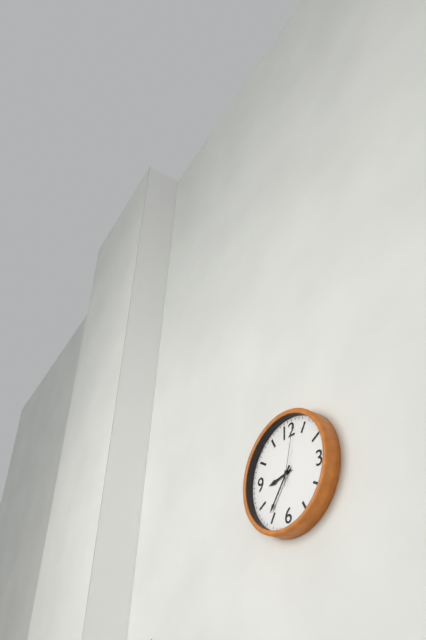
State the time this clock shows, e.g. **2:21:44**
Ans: **8:36:02**
